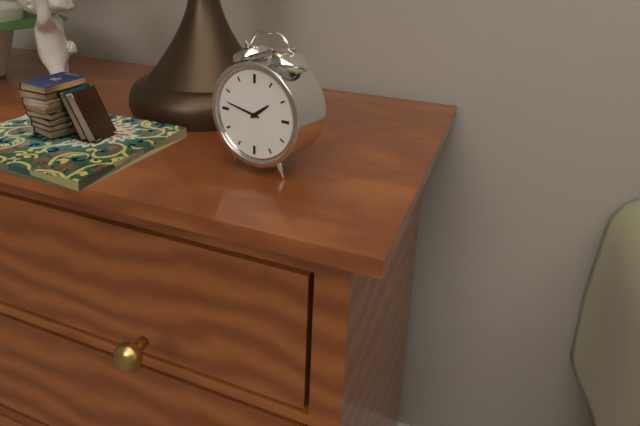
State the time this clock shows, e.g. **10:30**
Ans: **1:47**
